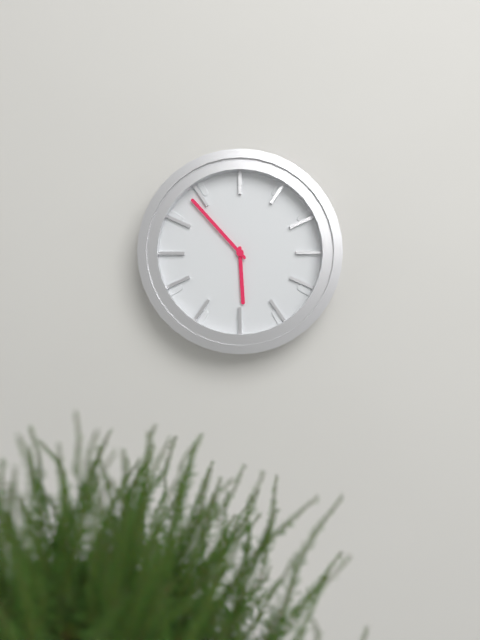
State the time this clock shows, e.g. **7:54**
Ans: **5:53**
